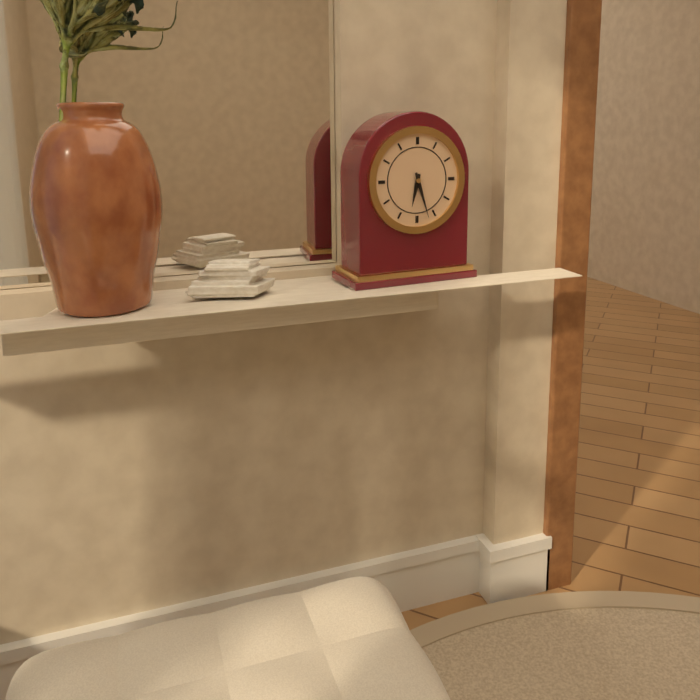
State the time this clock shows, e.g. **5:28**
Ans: **6:27**
